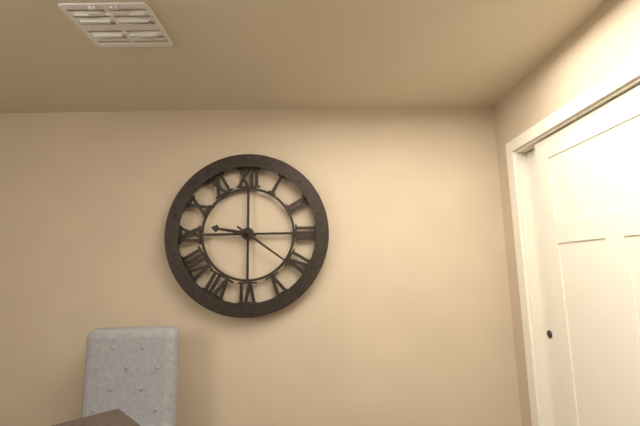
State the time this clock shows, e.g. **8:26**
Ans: **9:21**
